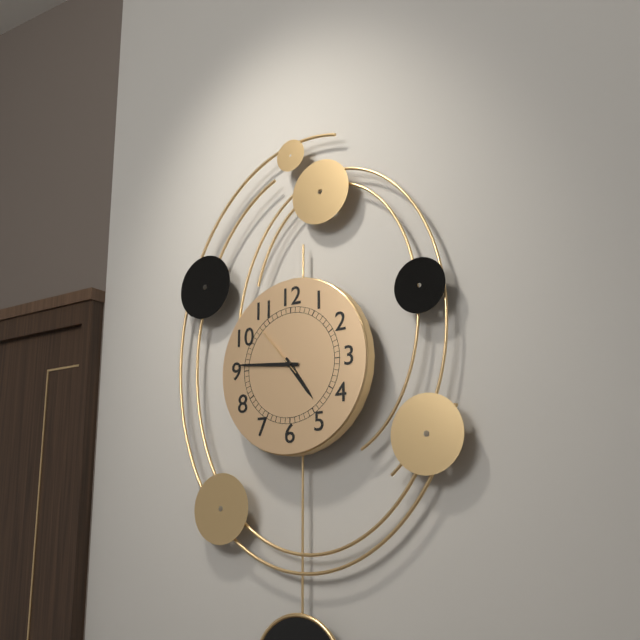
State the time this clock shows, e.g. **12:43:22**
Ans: **4:46:53**
